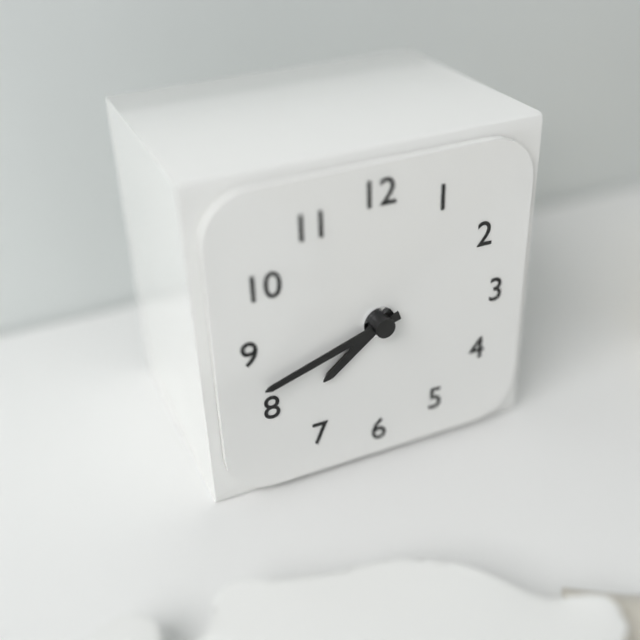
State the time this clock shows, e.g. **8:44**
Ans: **7:42**
